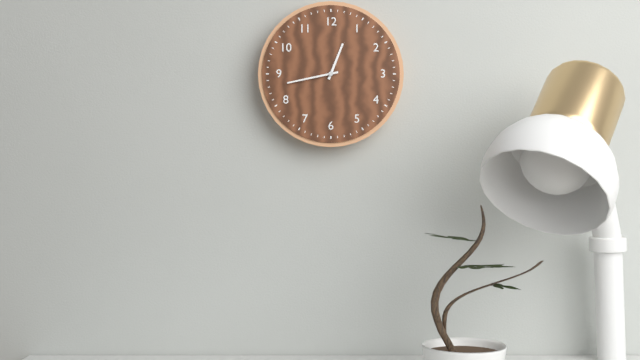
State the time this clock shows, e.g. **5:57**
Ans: **12:43**
